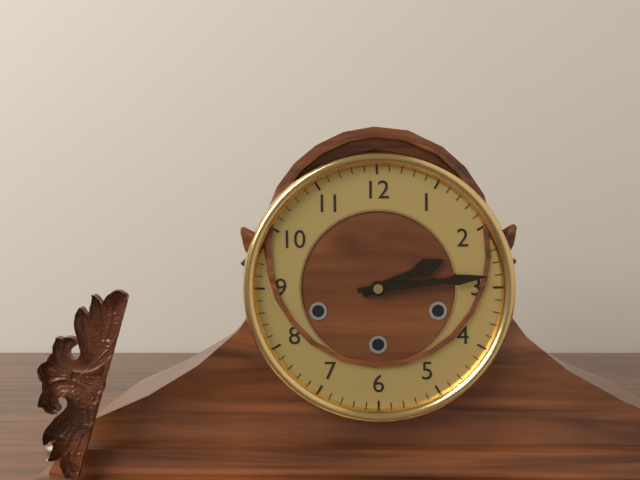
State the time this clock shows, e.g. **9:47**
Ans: **2:14**
